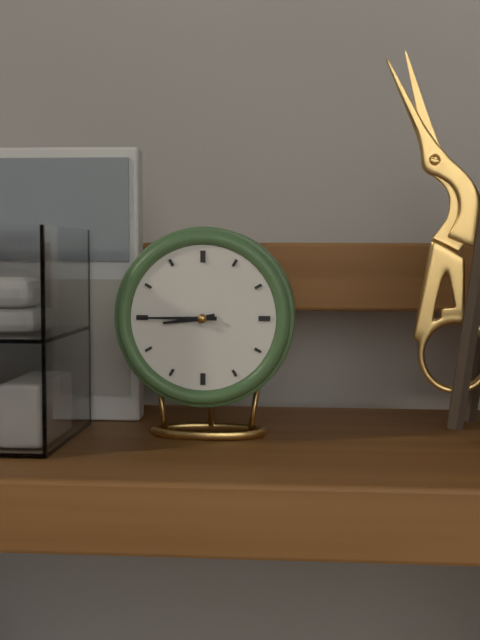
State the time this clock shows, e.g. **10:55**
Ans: **8:45**
